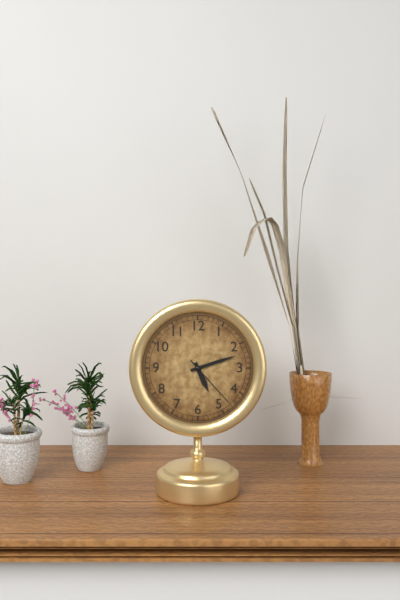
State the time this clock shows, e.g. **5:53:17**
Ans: **5:12:23**
